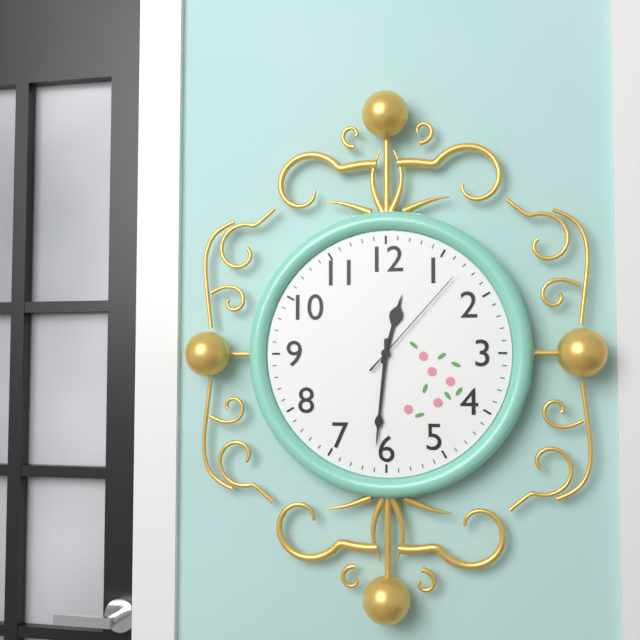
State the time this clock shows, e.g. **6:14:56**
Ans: **12:31:07**
